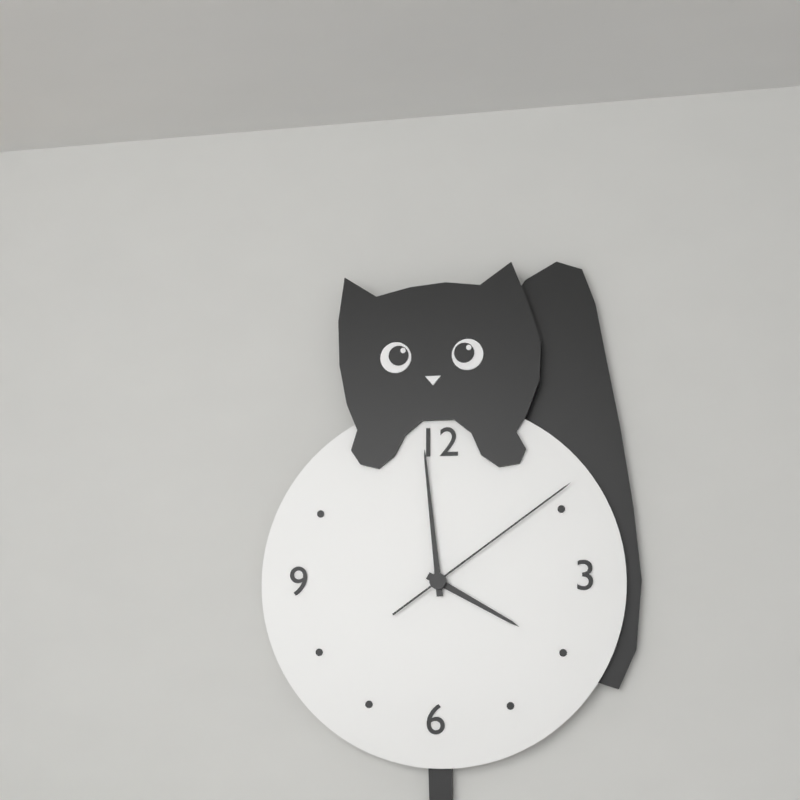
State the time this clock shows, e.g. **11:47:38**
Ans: **3:59:09**
